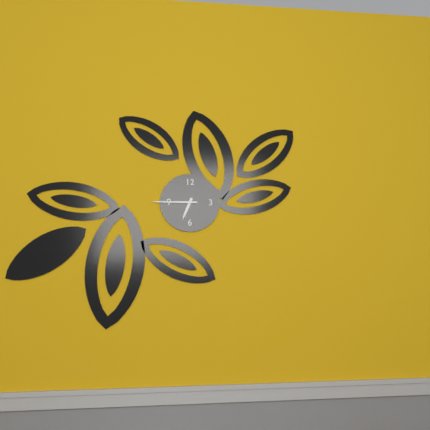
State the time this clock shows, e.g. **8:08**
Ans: **6:45**
